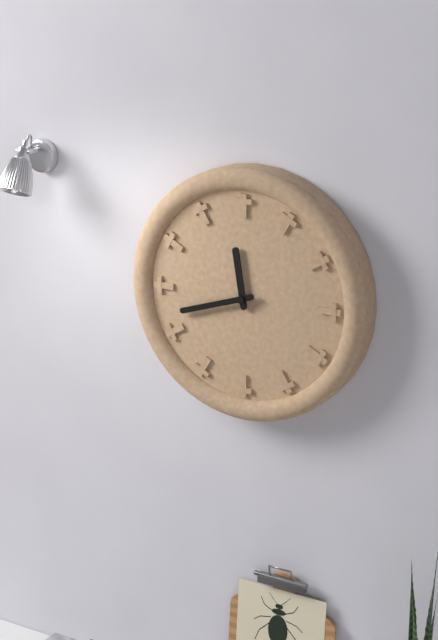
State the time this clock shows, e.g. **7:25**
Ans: **11:42**
